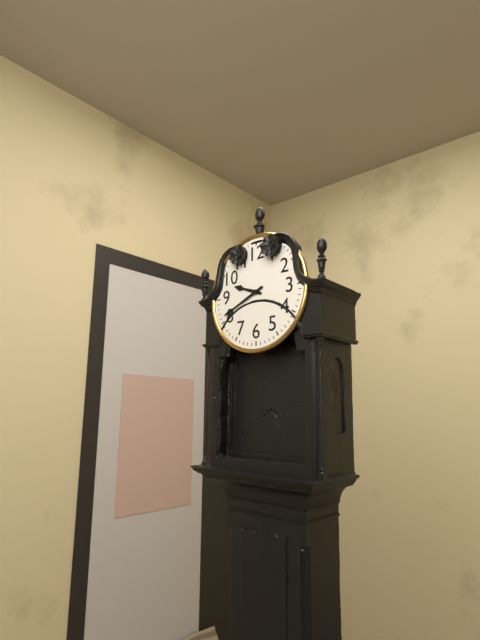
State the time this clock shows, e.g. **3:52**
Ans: **9:41**
